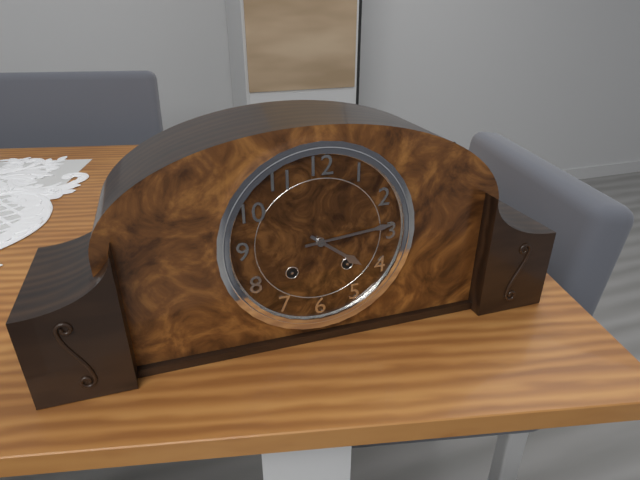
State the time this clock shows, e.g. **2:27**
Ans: **4:14**
